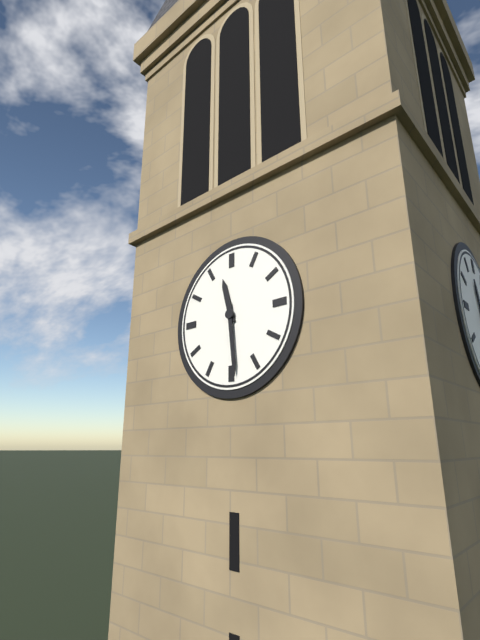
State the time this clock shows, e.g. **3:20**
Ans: **11:29**
